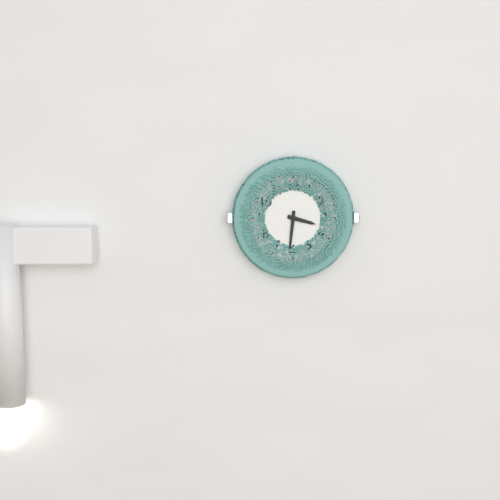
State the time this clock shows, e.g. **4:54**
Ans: **3:31**
